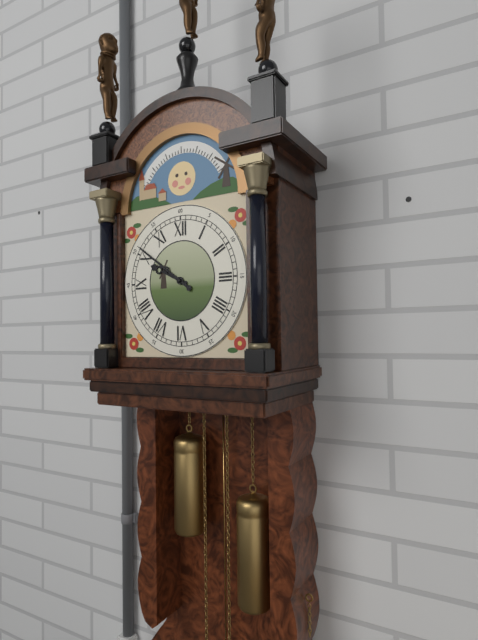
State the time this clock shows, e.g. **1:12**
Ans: **9:51**
